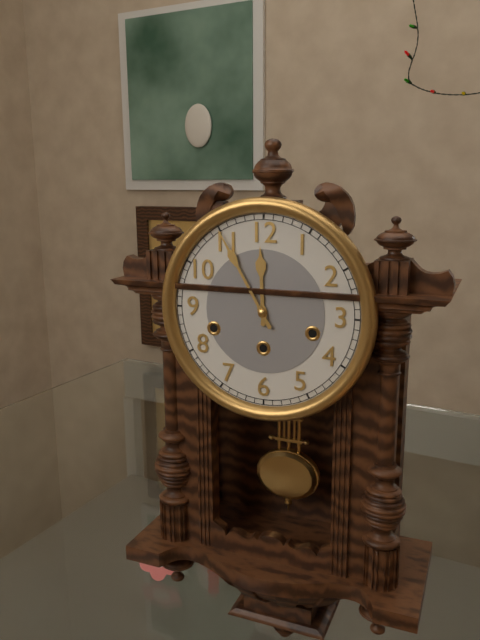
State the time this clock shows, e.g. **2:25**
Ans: **11:55**
